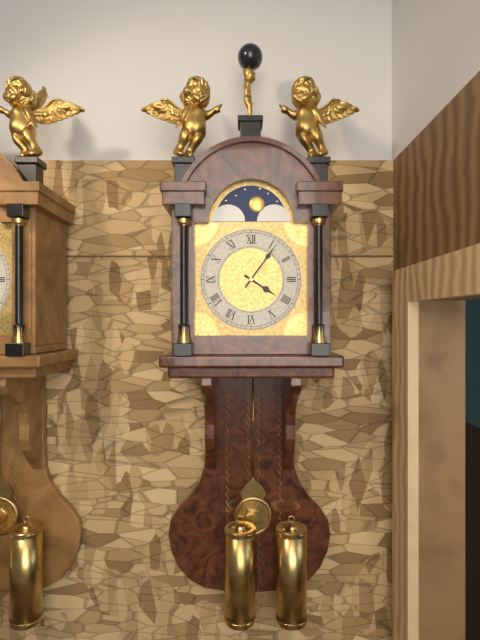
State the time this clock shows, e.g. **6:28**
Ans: **4:06**
